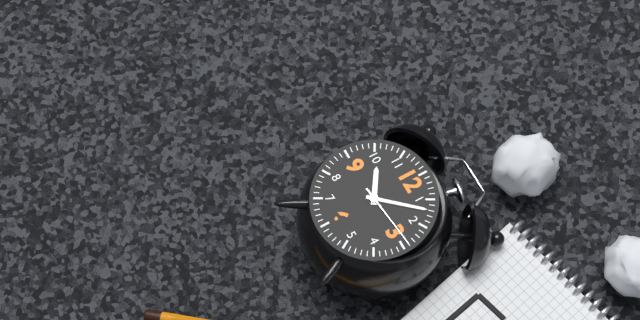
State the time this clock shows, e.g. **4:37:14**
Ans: **10:07:14**
